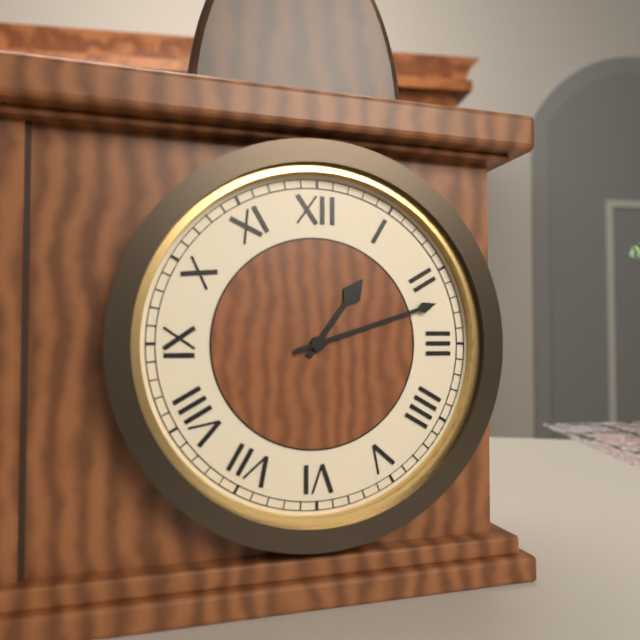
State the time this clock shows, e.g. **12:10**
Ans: **1:12**
